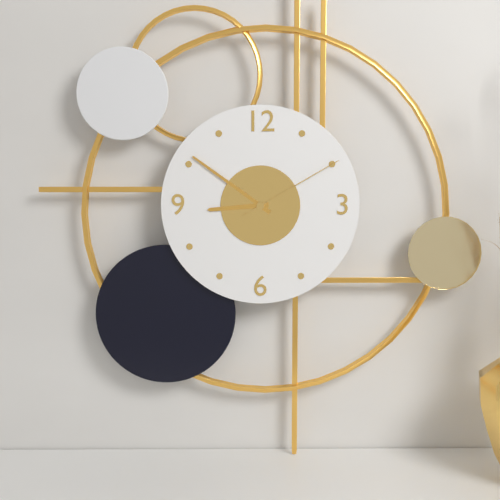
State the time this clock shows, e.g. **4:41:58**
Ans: **8:51:10**
